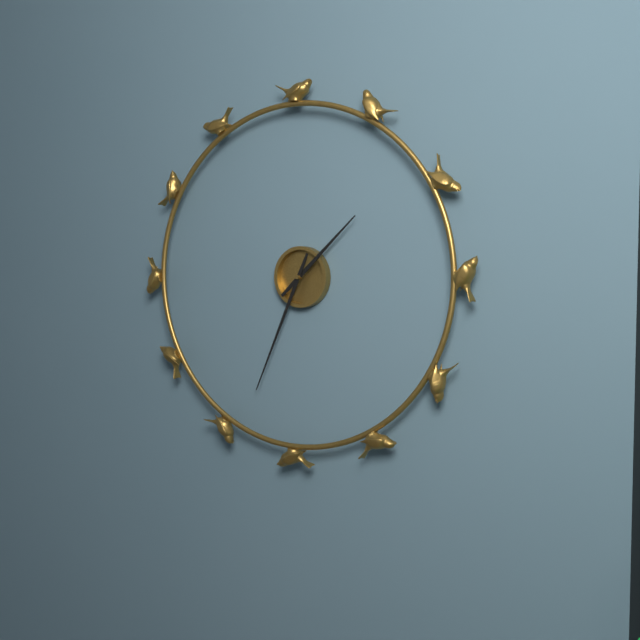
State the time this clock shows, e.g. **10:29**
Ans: **1:34**
